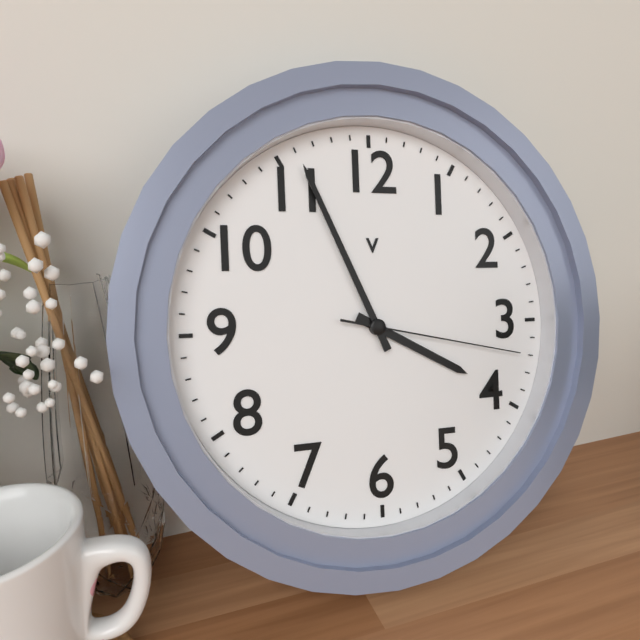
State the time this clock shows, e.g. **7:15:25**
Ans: **3:56:17**
